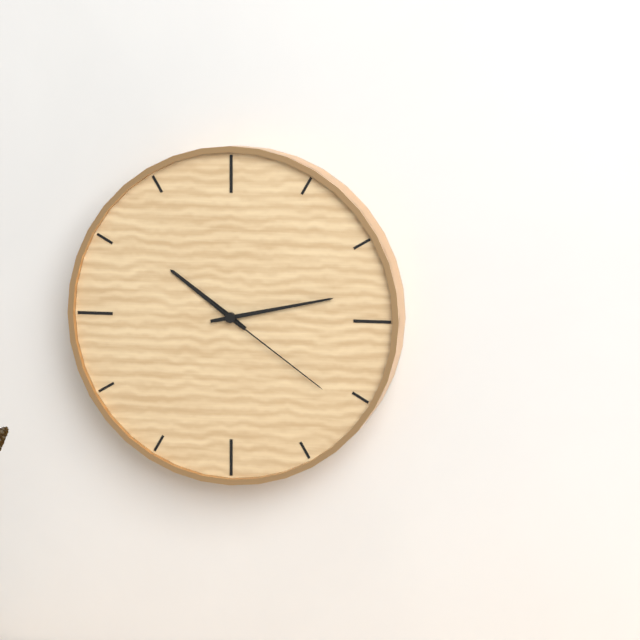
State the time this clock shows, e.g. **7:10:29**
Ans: **10:13:21**
